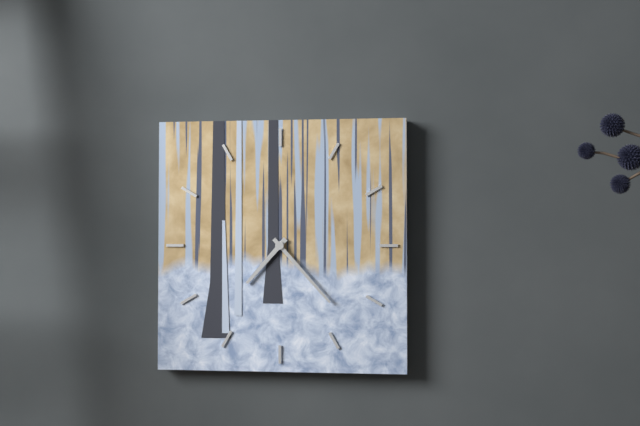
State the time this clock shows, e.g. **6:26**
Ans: **7:23**
